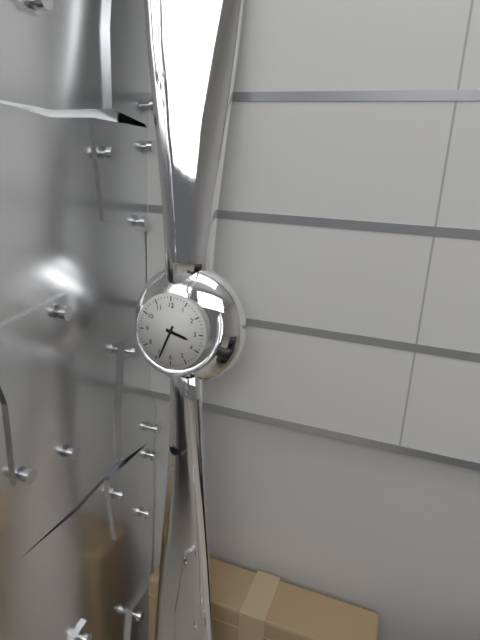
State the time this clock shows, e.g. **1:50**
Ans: **3:34**
